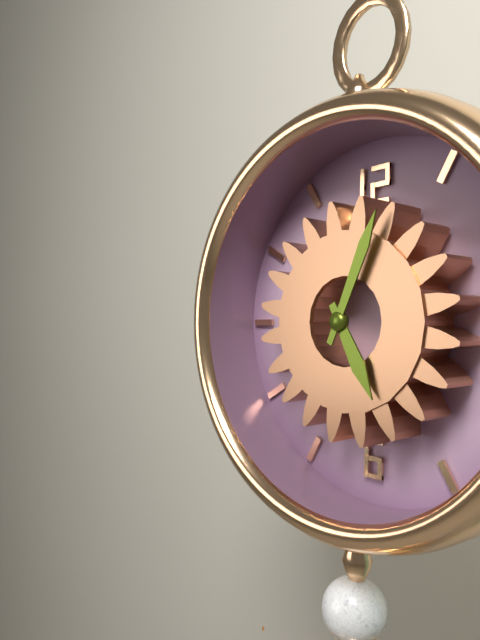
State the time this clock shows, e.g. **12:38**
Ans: **5:04**
